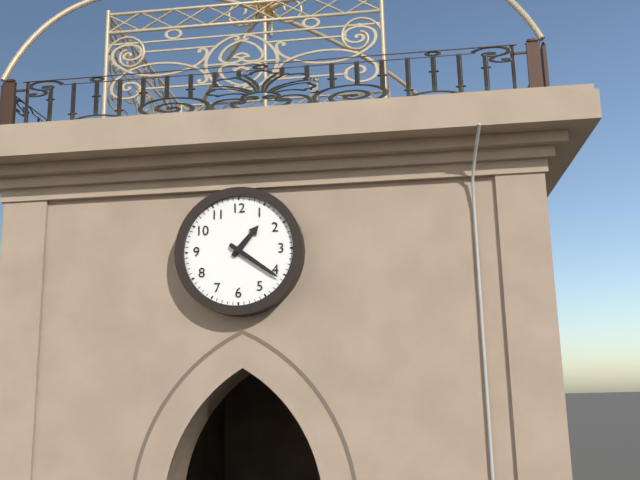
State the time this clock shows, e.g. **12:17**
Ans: **1:21**
